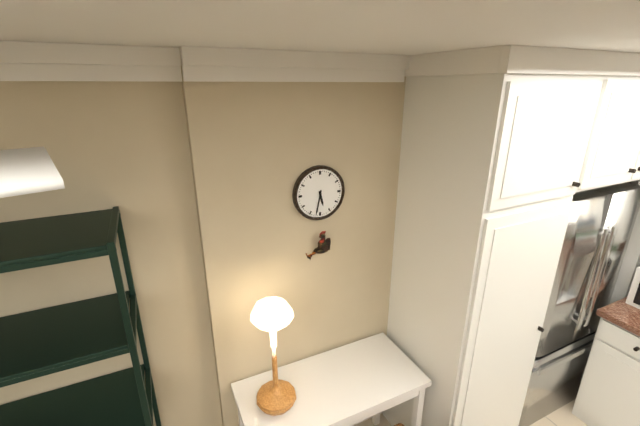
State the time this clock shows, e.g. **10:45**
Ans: **5:32**
